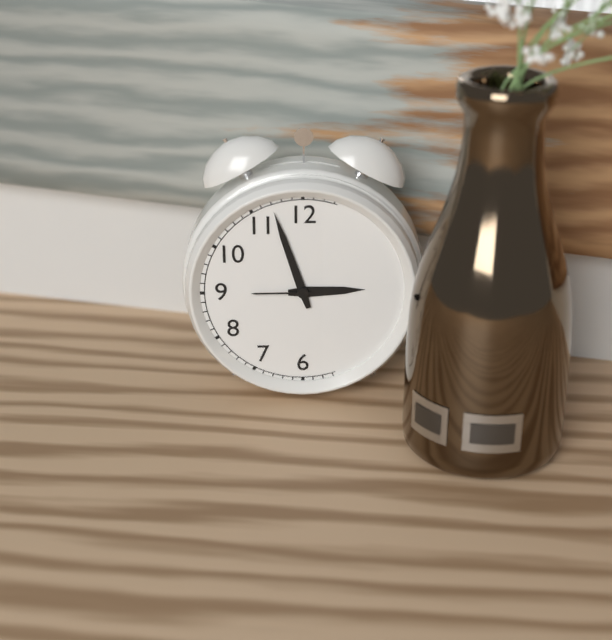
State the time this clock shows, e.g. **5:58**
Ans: **2:57**
